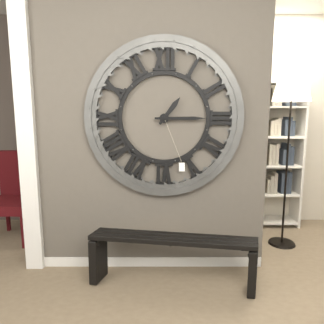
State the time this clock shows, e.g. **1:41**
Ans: **1:15**
